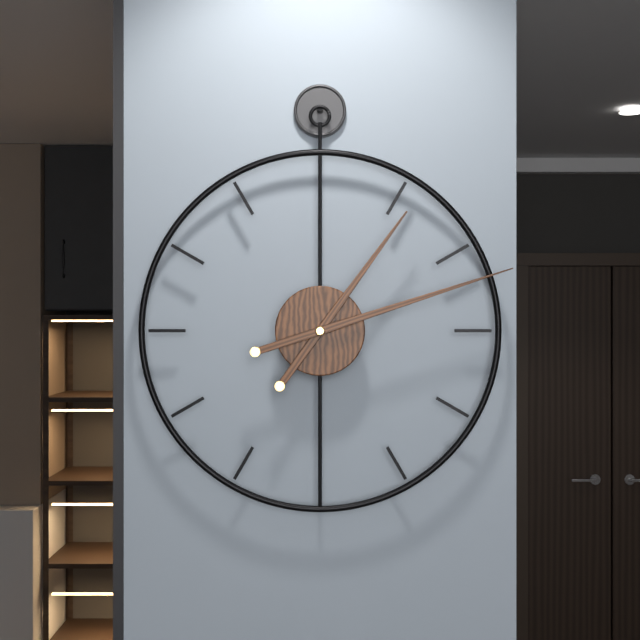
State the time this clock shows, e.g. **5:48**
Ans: **1:12**
